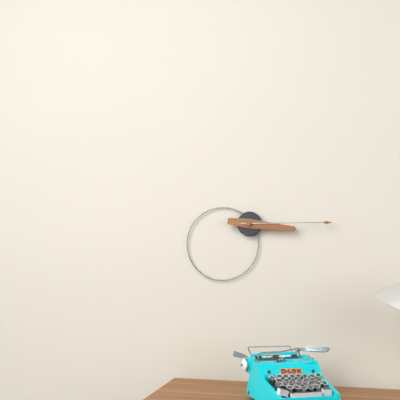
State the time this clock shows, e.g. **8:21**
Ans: **3:15**
